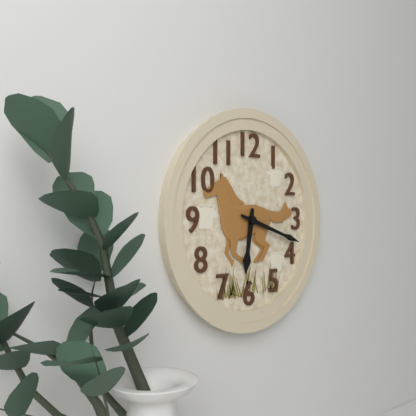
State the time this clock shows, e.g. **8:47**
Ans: **6:18**
